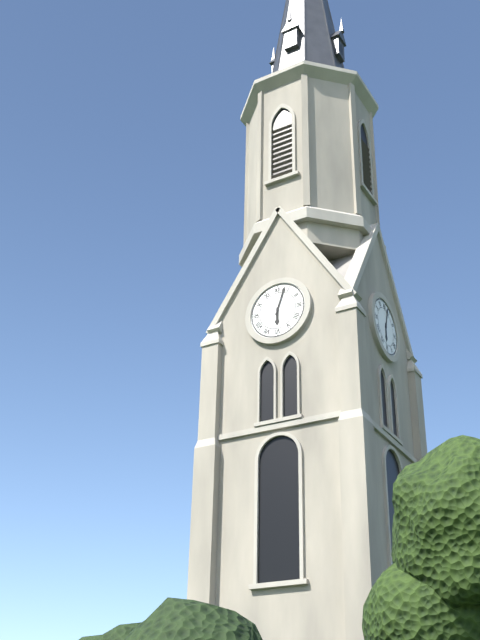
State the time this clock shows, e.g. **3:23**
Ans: **6:03**
